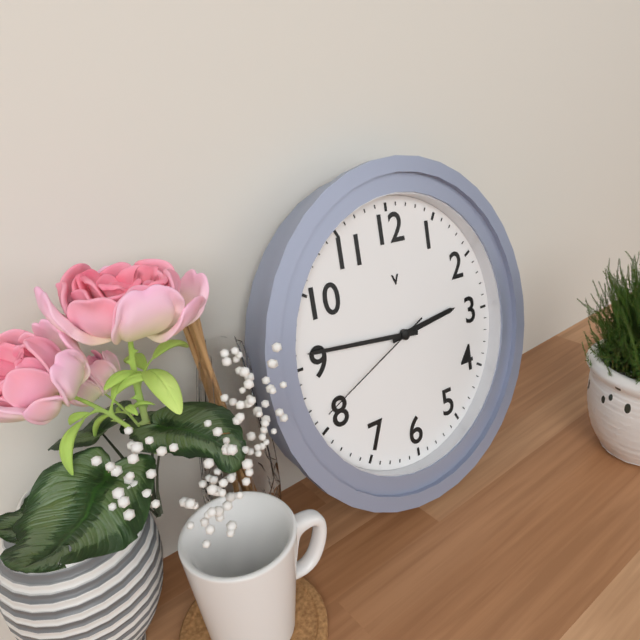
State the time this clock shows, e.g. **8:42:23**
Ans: **2:46:41**
